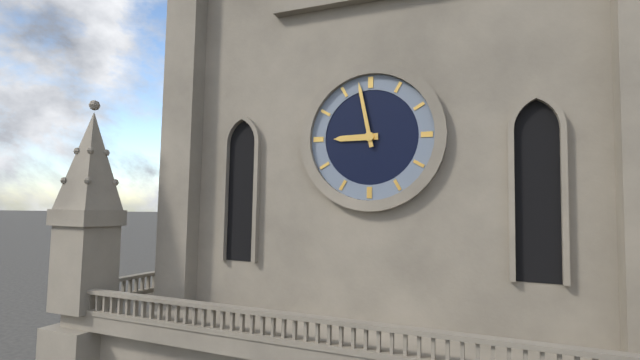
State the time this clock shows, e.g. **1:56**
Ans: **8:58**
